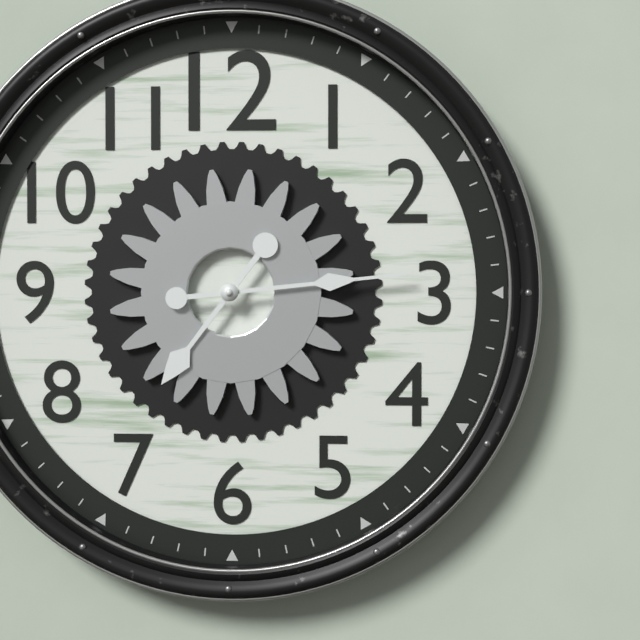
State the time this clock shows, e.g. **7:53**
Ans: **7:14**
